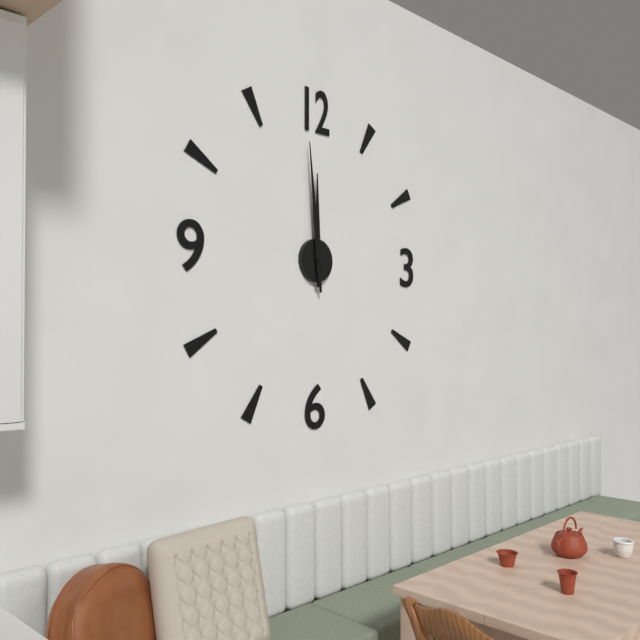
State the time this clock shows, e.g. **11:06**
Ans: **11:59**
